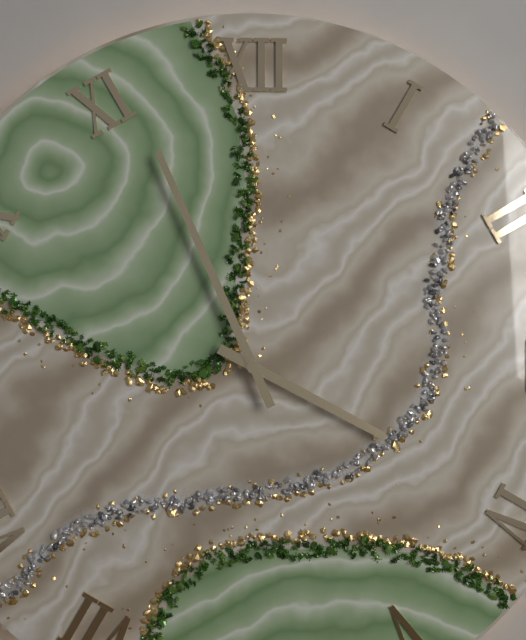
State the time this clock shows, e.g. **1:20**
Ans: **3:56**
